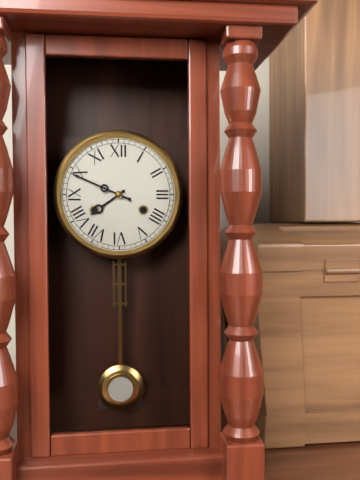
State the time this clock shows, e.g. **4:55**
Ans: **7:49**
